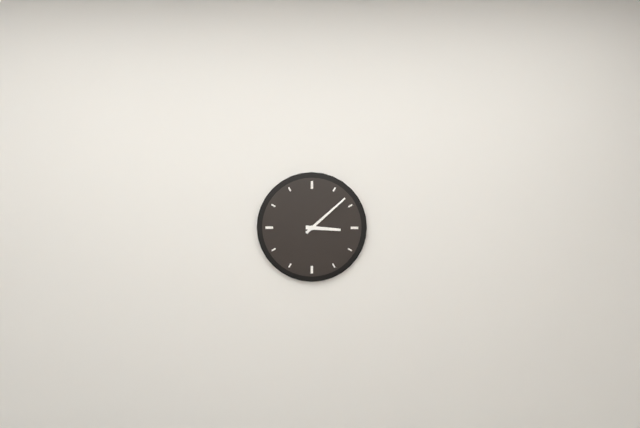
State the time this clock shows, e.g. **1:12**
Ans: **3:08**
